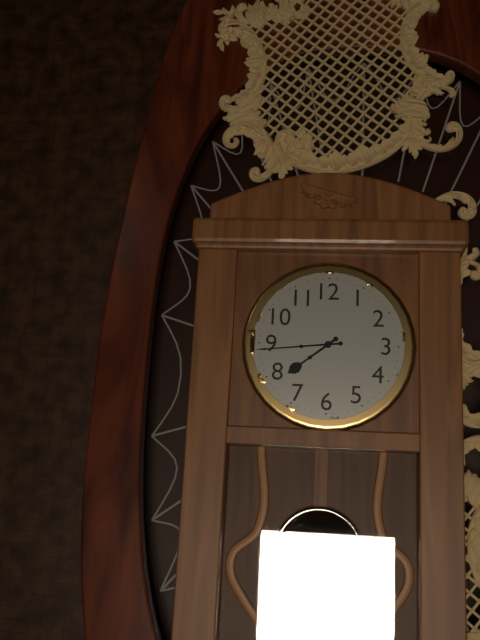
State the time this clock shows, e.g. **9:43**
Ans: **7:44**
